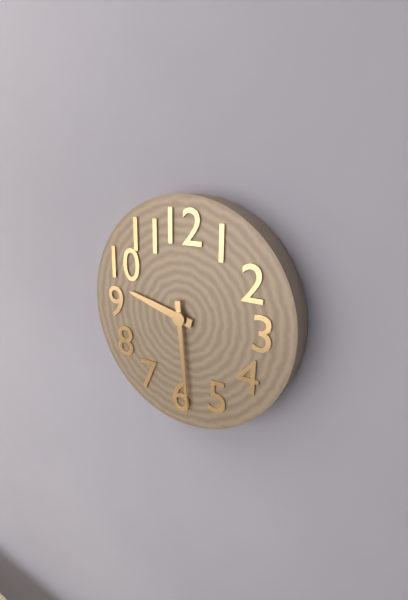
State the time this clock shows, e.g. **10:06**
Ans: **9:29**
